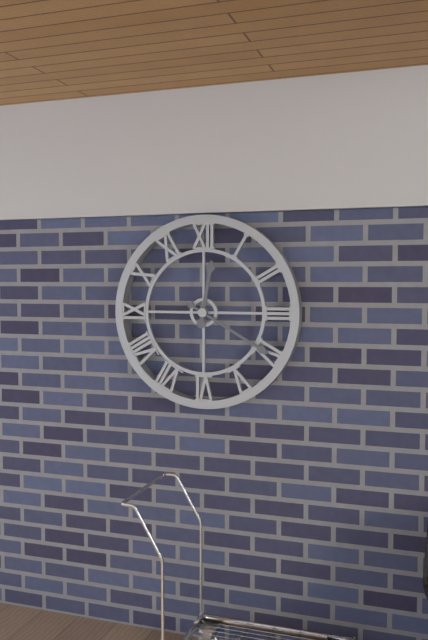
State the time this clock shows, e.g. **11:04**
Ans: **12:20**
